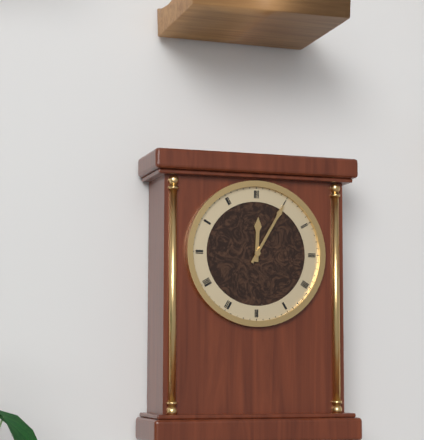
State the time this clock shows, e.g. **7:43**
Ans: **12:05**
